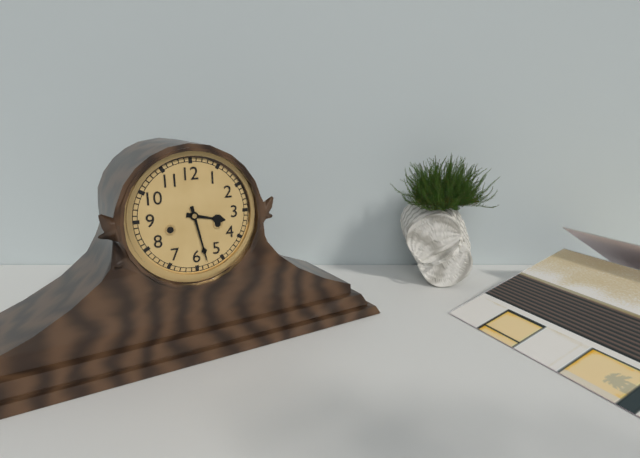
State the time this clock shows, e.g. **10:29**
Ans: **3:28**
